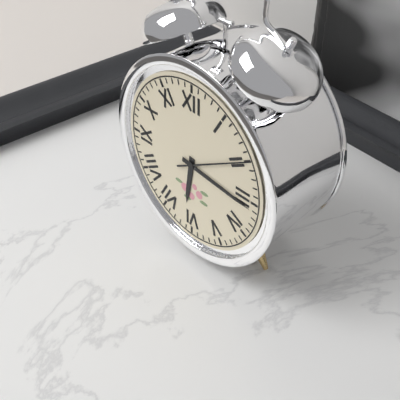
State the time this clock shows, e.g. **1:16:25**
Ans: **6:16:10**
